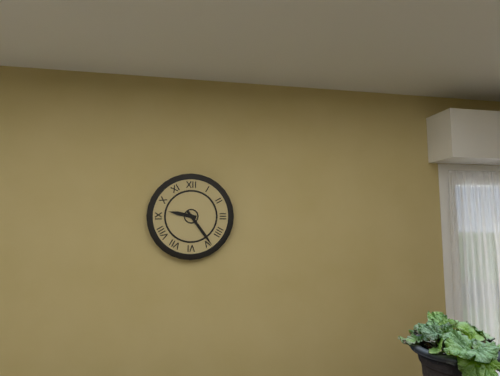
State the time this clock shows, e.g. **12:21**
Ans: **9:24**
